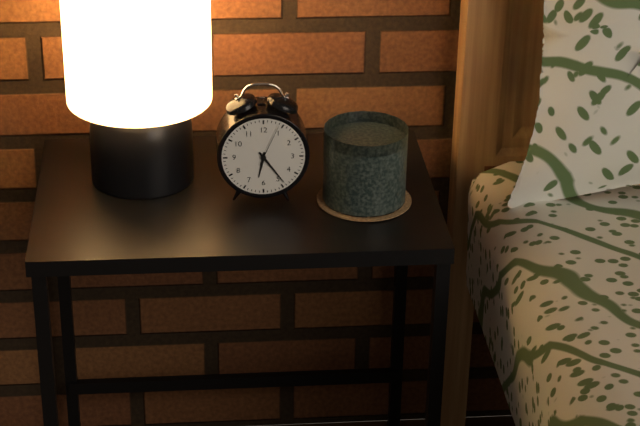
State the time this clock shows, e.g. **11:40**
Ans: **6:24**
